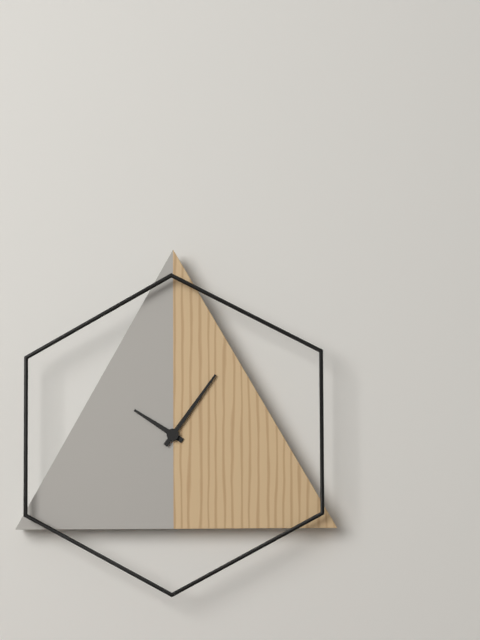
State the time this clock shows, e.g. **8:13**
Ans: **10:06**
